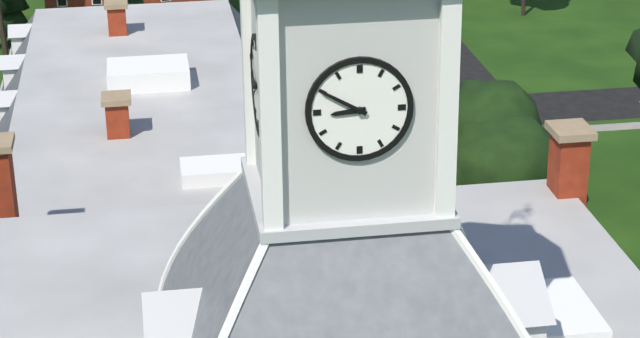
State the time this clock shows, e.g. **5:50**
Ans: **8:50**
